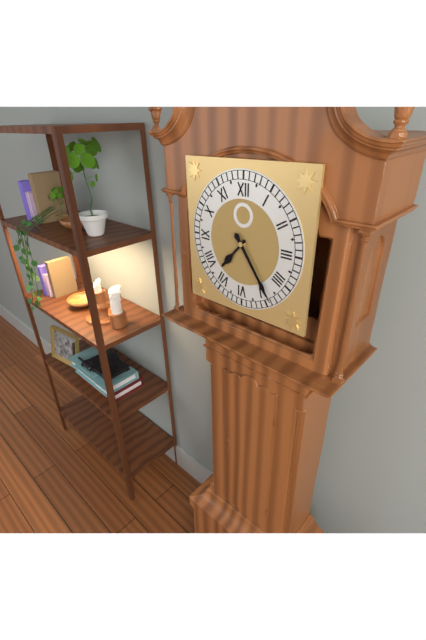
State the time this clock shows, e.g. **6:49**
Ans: **7:24**
